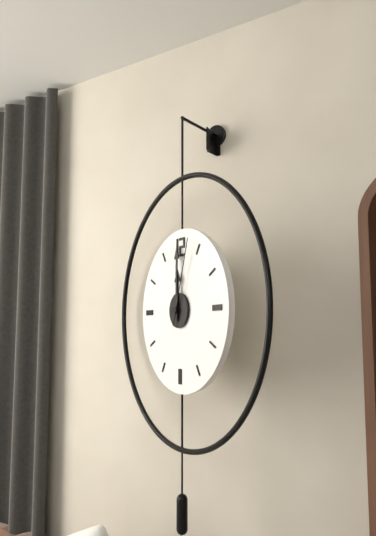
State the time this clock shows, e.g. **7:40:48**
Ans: **12:00:03**
